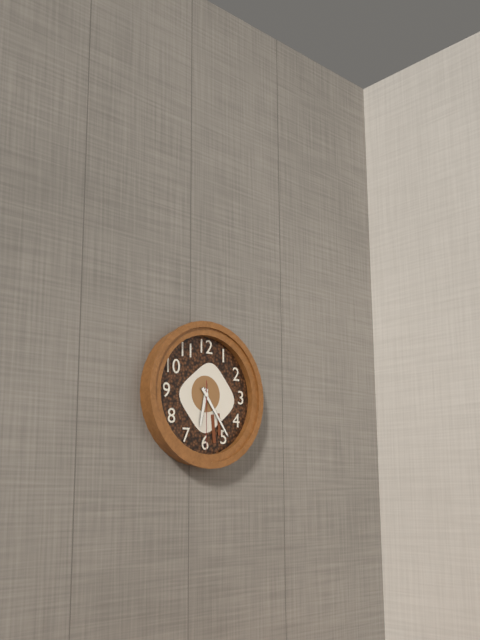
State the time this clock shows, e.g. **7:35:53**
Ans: **6:24:30**
